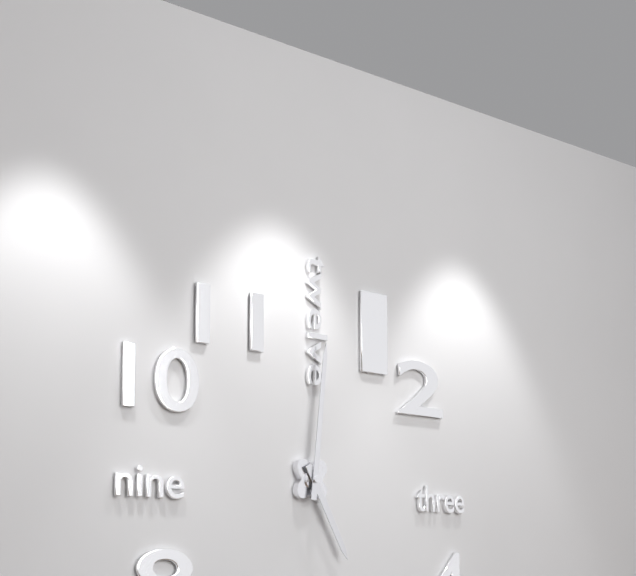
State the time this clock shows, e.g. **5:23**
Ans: **5:01**
